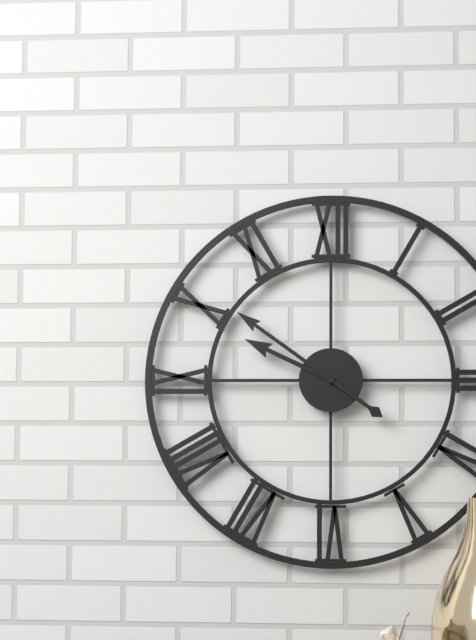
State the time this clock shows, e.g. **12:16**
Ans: **9:51**
